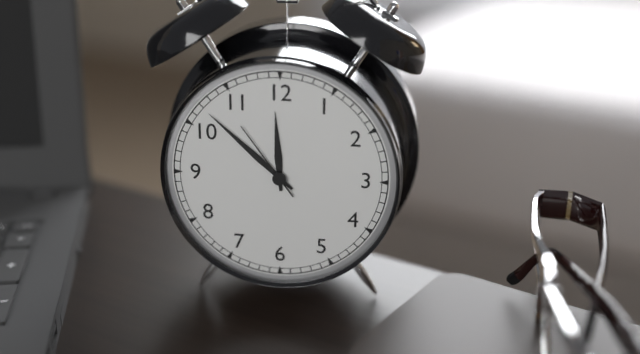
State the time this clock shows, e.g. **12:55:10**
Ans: **11:52:54**
